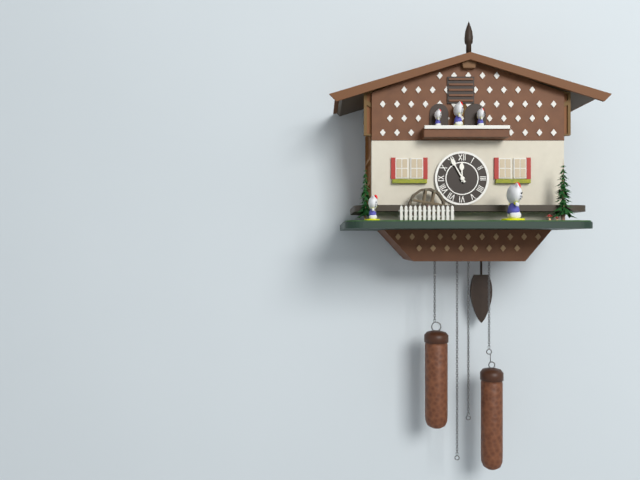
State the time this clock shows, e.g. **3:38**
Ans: **11:55**
